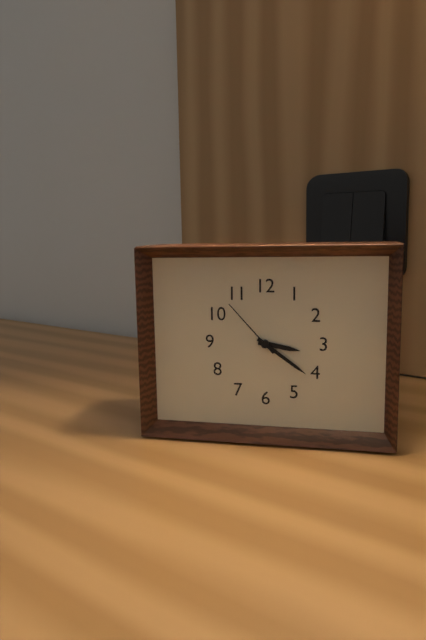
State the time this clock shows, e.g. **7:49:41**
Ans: **3:21:53**
